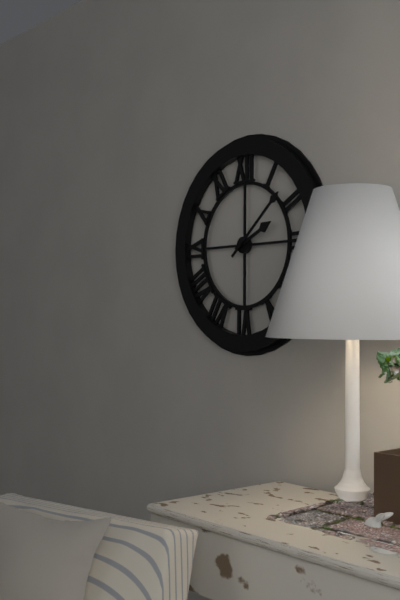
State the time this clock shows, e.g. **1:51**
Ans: **2:08**
